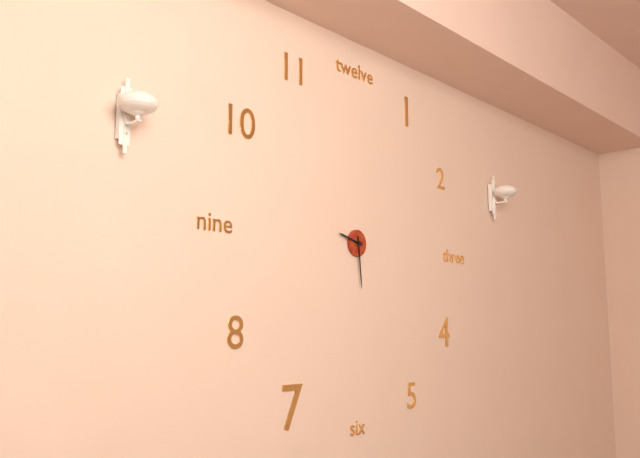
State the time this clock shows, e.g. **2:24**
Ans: **9:29**
